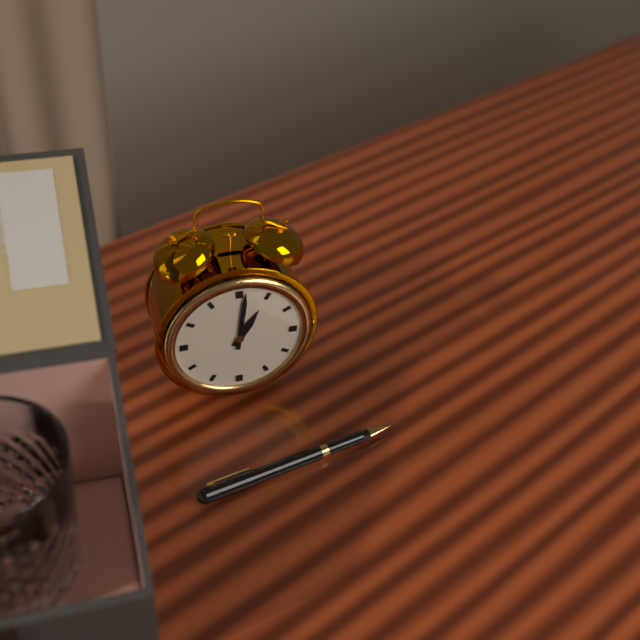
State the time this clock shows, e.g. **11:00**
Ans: **1:01**
